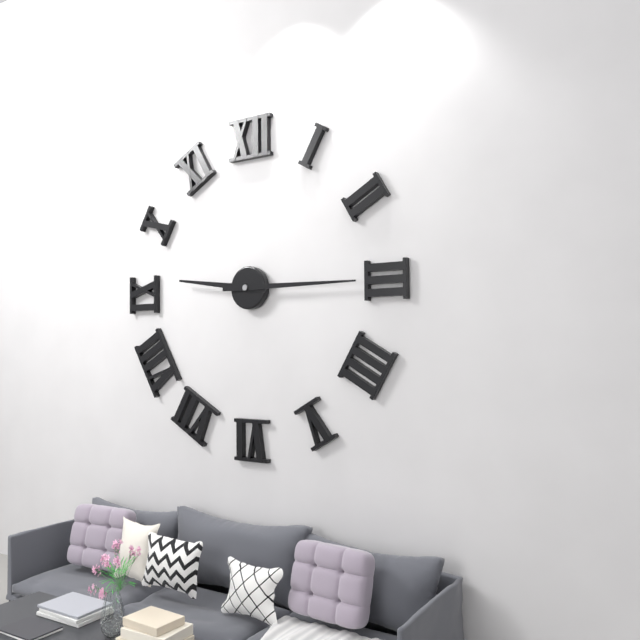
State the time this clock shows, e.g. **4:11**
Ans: **9:15**
